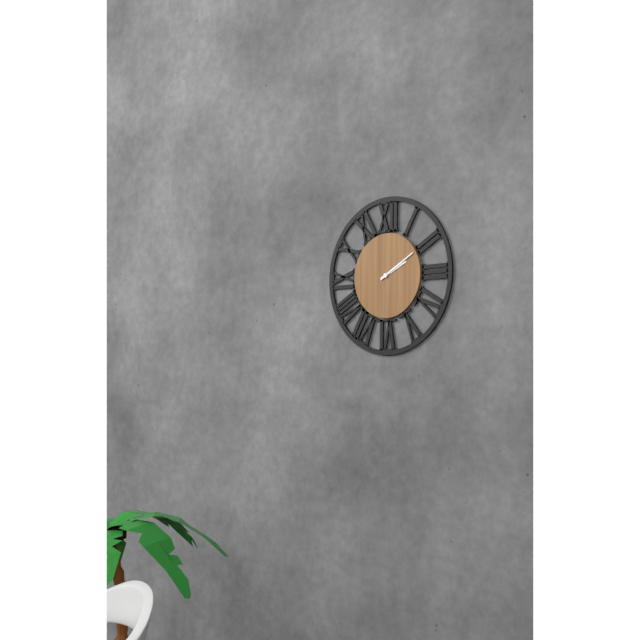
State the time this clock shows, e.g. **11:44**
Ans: **2:10**
